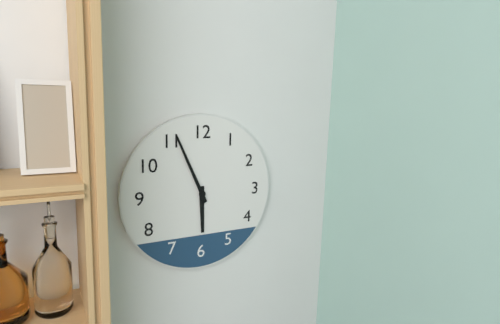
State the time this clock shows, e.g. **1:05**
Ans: **5:56**
